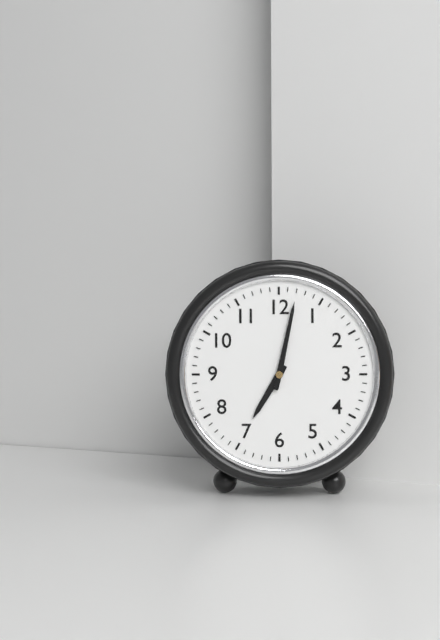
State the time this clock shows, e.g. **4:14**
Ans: **7:02**
